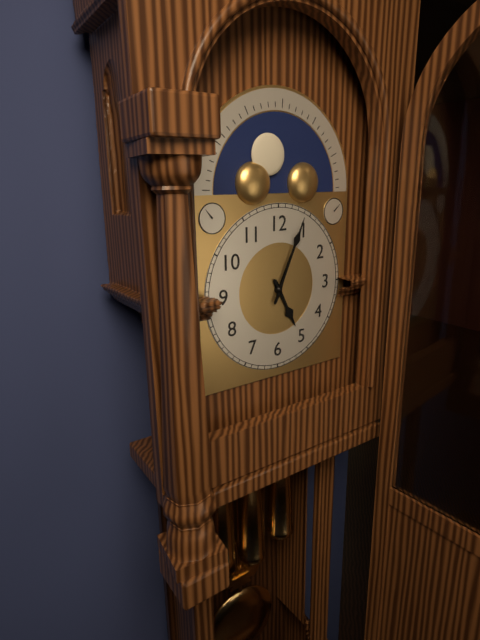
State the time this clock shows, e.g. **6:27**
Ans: **5:04**
